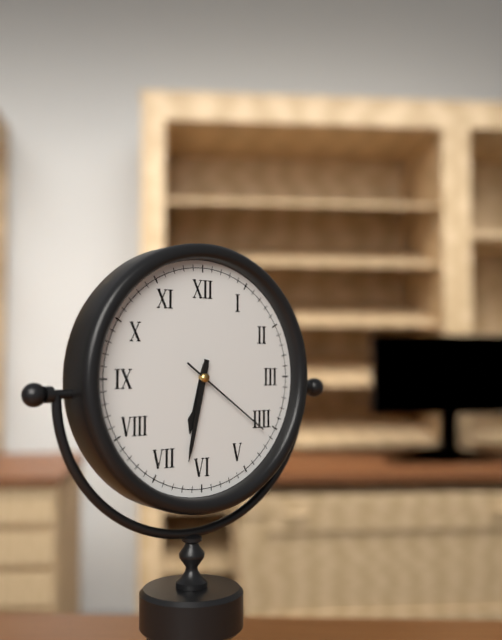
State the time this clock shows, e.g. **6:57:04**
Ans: **6:32:21**
